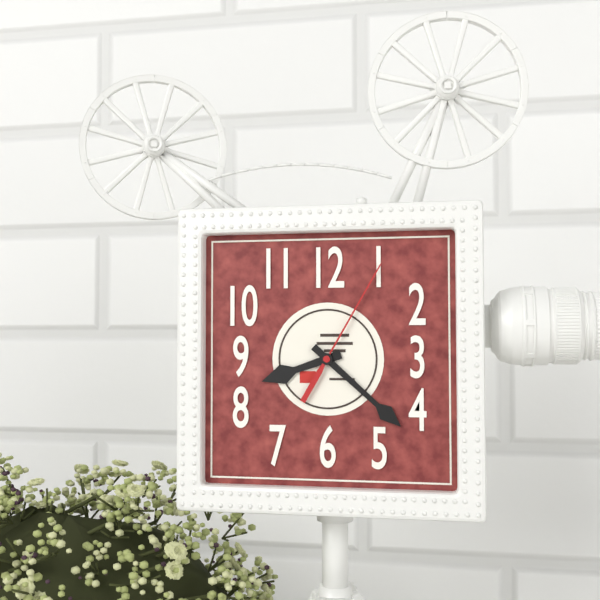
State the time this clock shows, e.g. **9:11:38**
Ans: **8:22:05**
